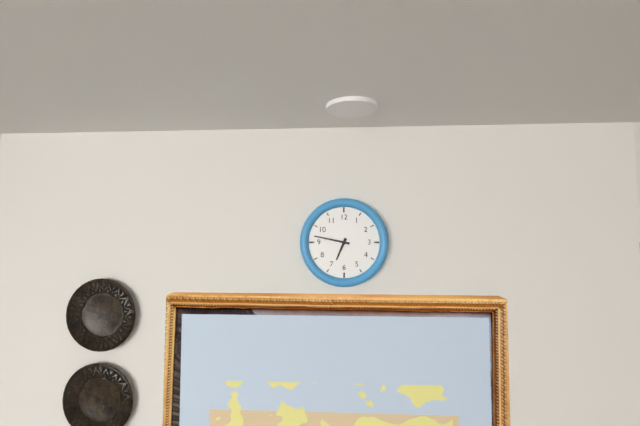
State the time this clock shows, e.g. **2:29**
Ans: **6:47**
